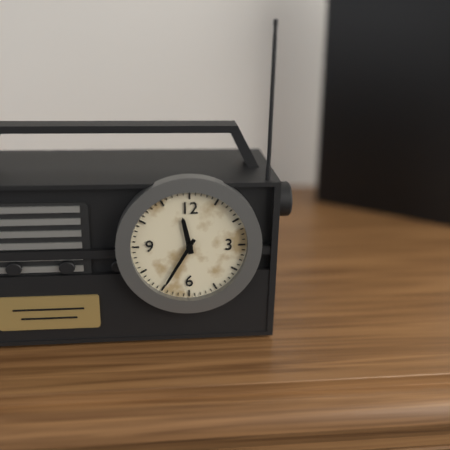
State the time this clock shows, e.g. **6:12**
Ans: **11:35**
